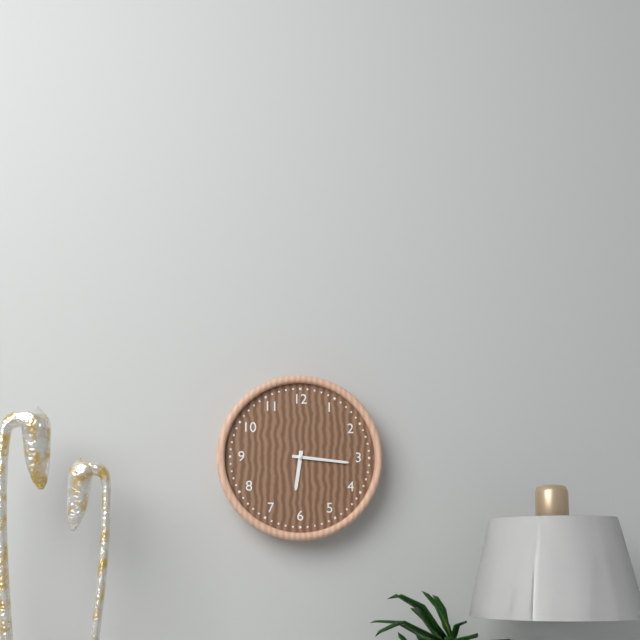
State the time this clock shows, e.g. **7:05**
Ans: **6:16**
